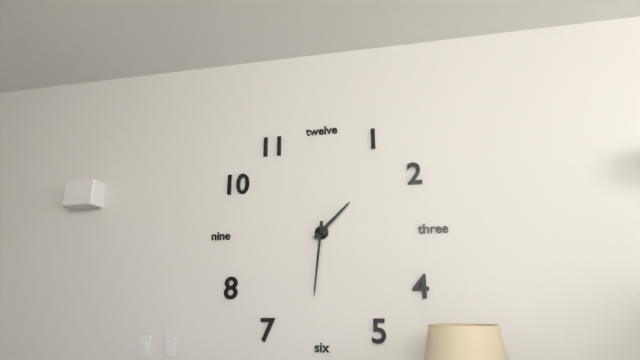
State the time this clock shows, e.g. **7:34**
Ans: **1:31**
